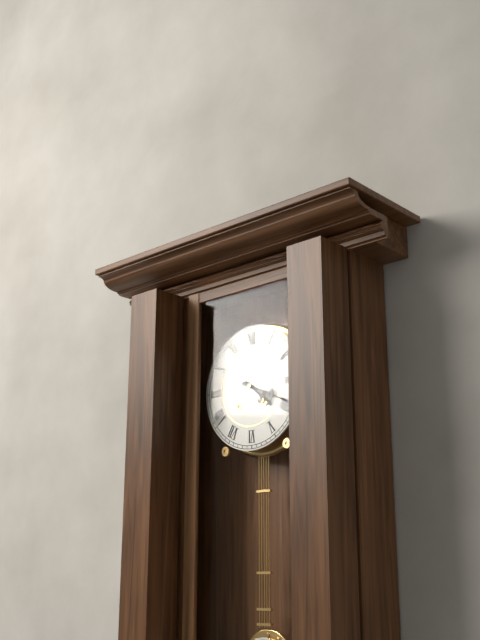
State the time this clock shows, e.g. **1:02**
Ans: **4:19**
